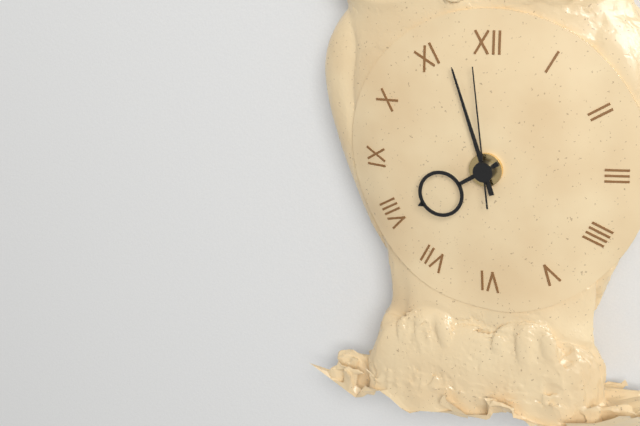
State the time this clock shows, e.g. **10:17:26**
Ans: **7:57:59**
